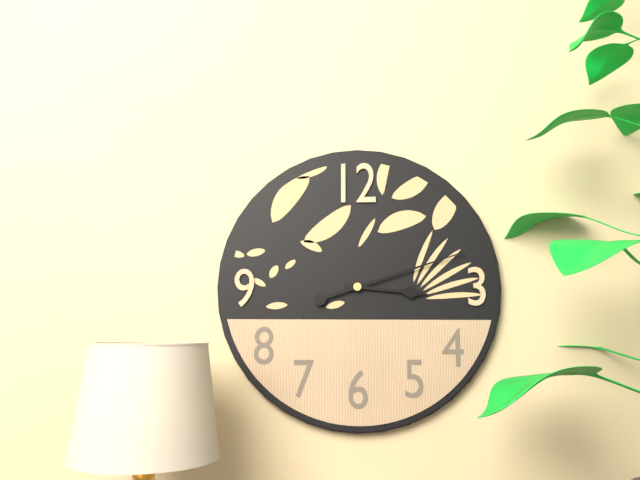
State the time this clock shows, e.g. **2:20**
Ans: **3:12**
